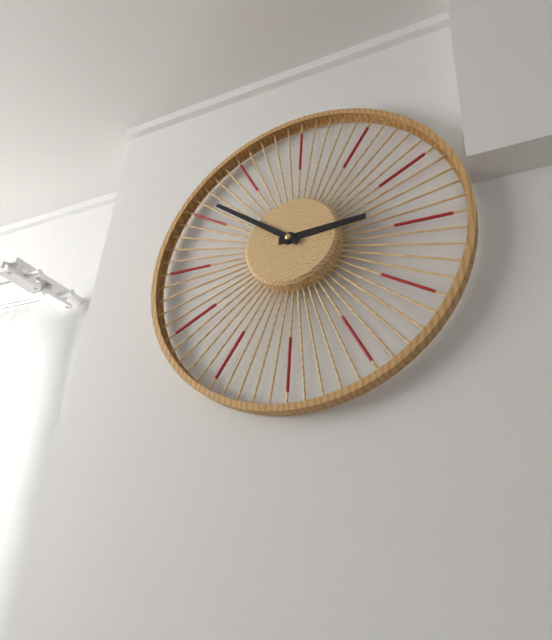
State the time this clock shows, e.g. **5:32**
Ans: **2:51**
